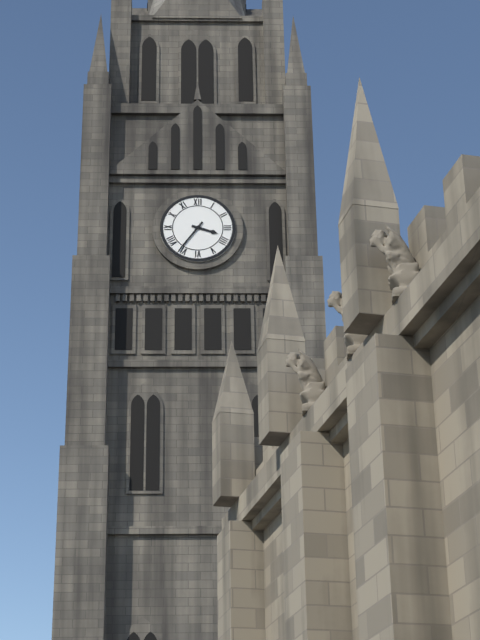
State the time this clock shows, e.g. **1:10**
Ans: **3:36**
